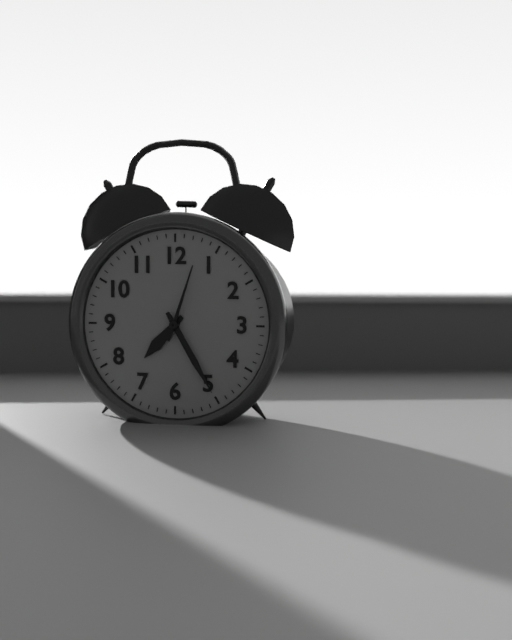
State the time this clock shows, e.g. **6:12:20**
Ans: **7:25:03**
